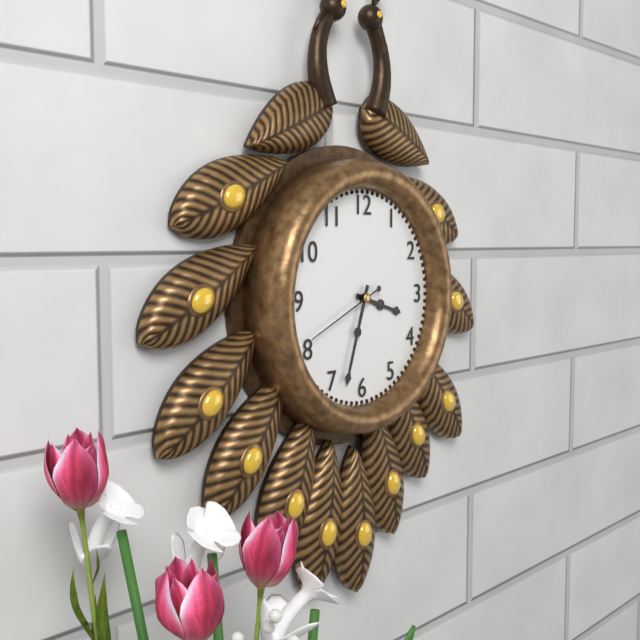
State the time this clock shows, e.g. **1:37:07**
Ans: **3:33:41**
